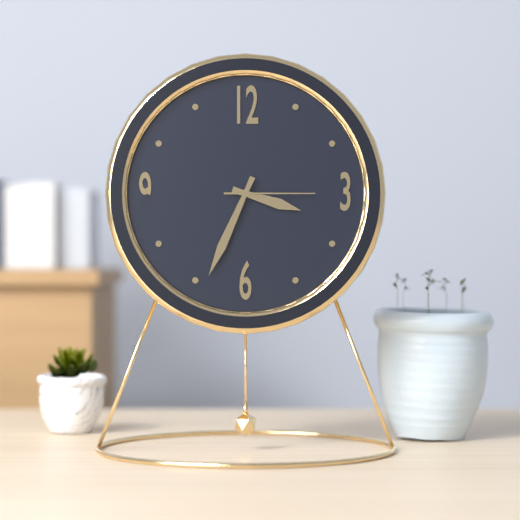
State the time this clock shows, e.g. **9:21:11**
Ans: **3:34:15**
